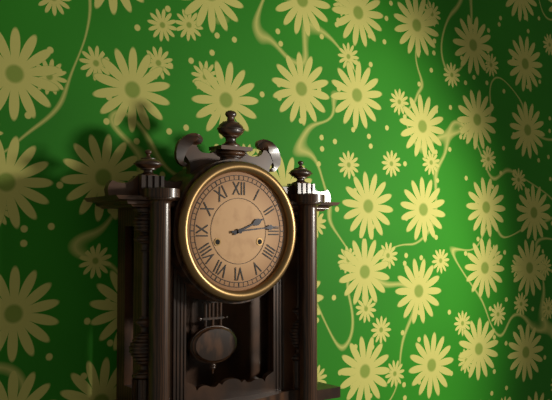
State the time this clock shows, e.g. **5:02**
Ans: **2:14**
